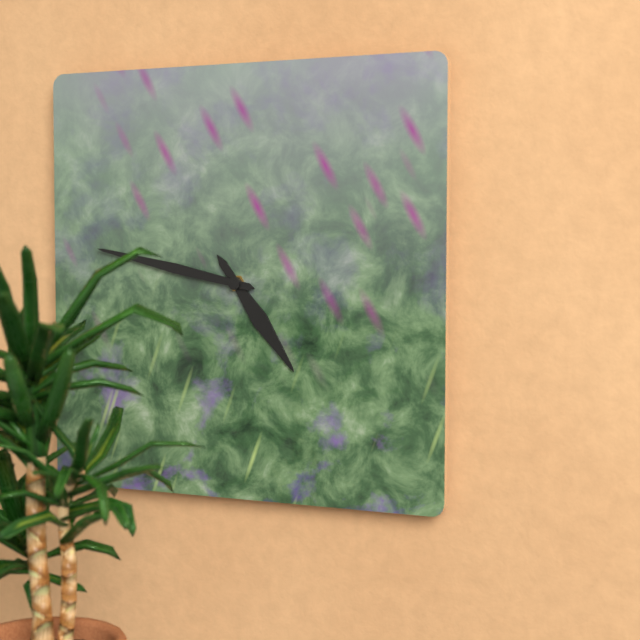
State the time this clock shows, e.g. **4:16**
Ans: **4:47**
